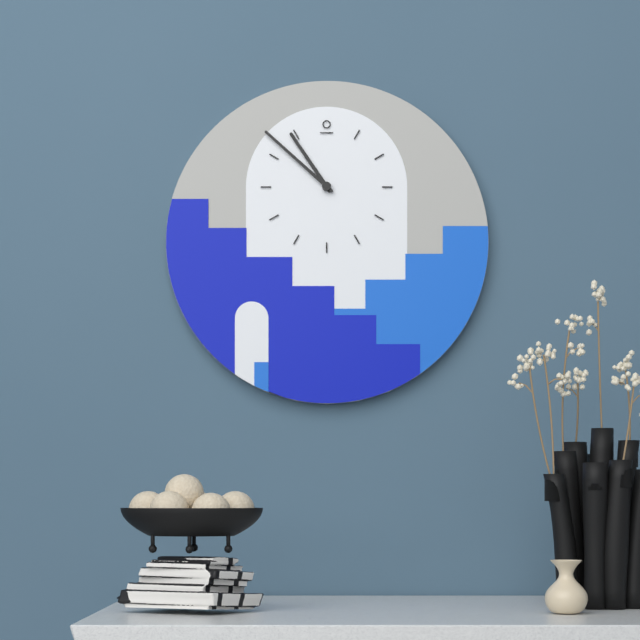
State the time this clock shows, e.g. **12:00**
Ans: **10:52**
